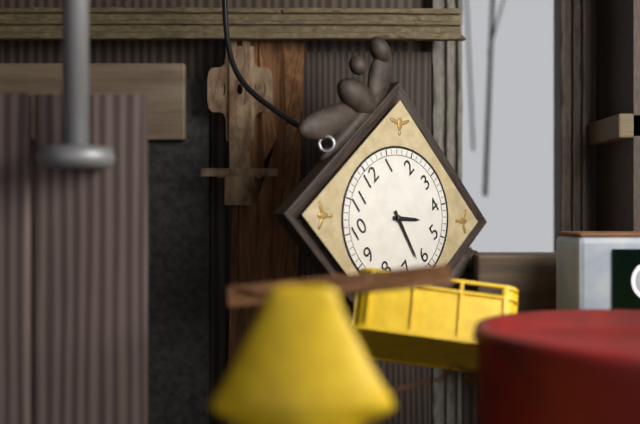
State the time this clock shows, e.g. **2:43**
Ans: **4:32**
